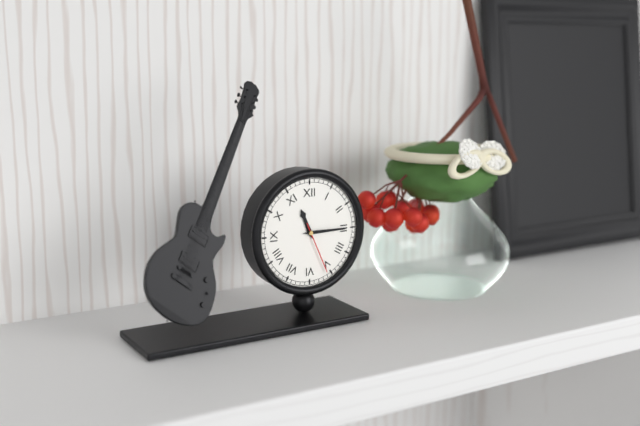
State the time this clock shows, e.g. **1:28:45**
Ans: **11:15:26**
